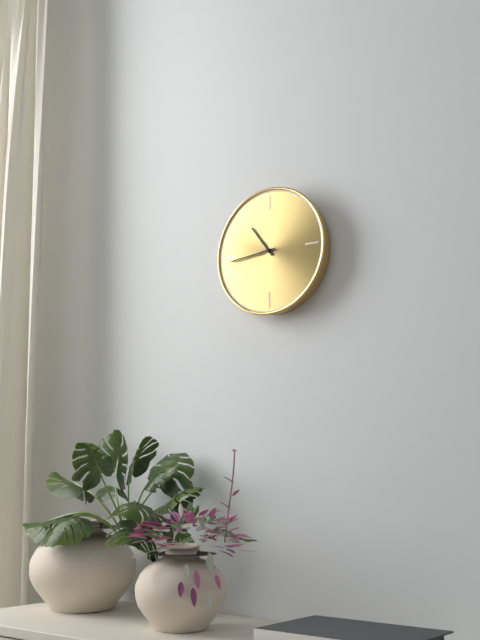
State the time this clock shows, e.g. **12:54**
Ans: **10:44**
